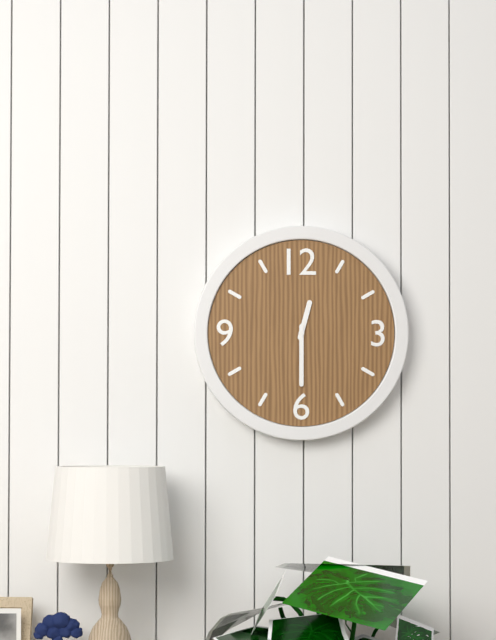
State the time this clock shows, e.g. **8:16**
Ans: **12:30**
